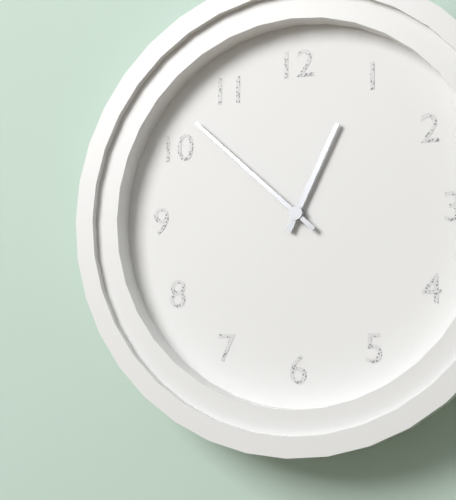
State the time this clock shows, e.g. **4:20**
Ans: **12:52**
